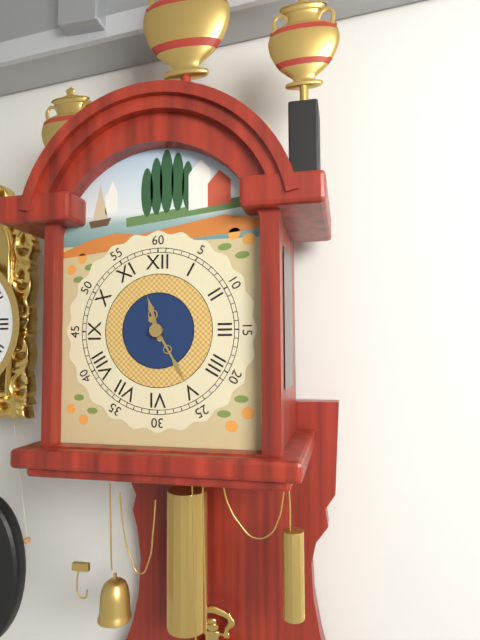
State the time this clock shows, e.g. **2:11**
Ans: **11:25**
